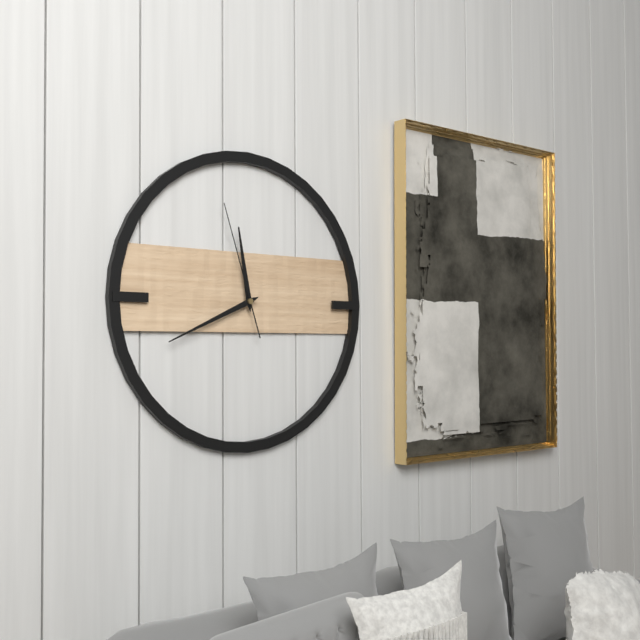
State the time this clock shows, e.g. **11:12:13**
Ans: **11:41:57**
